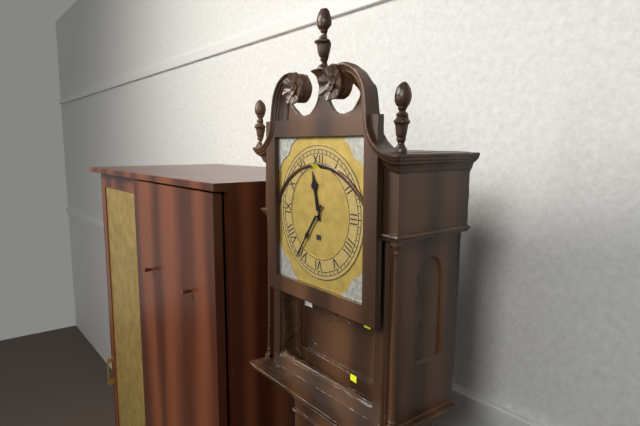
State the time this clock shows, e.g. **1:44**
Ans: **11:36**
